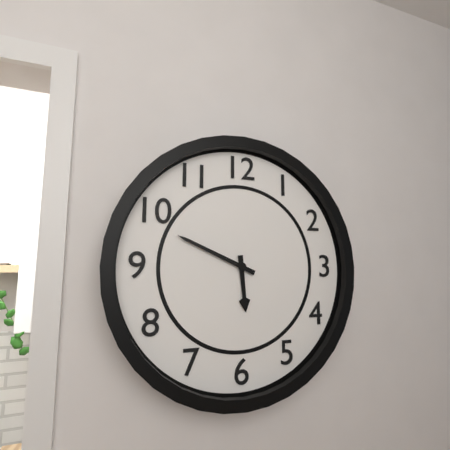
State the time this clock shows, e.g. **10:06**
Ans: **5:49**
